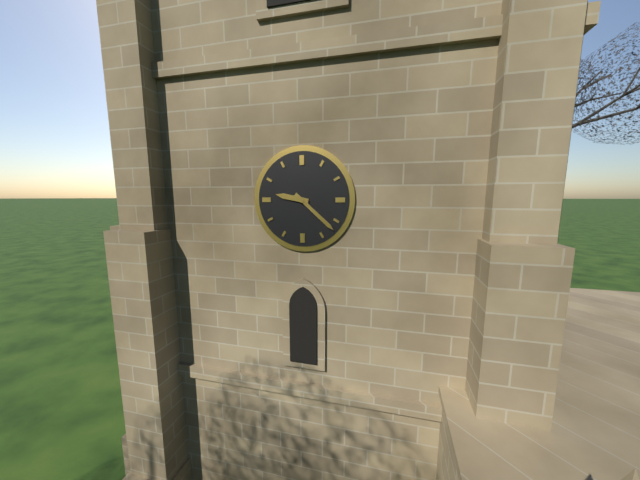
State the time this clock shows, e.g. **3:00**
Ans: **9:22**
